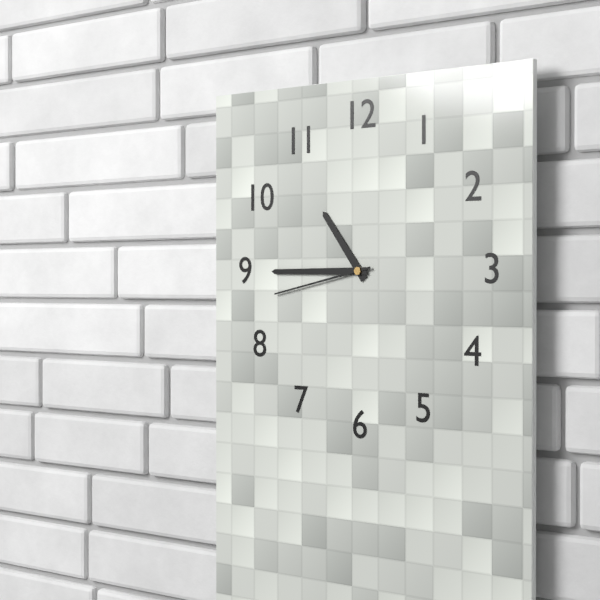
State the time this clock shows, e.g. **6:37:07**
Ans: **10:45:43**
